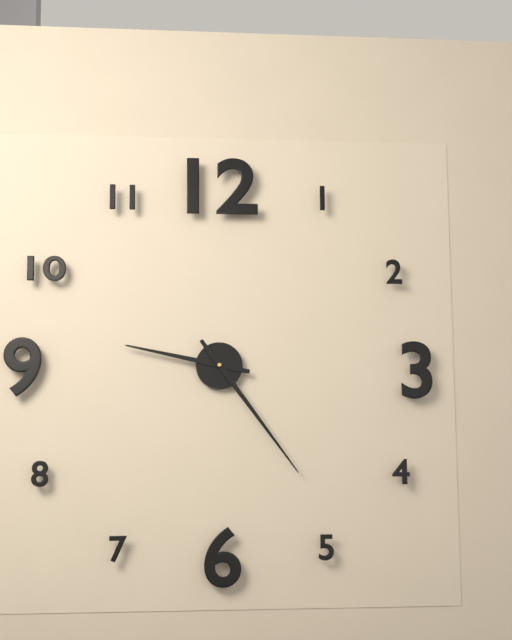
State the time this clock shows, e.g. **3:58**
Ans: **9:24**
